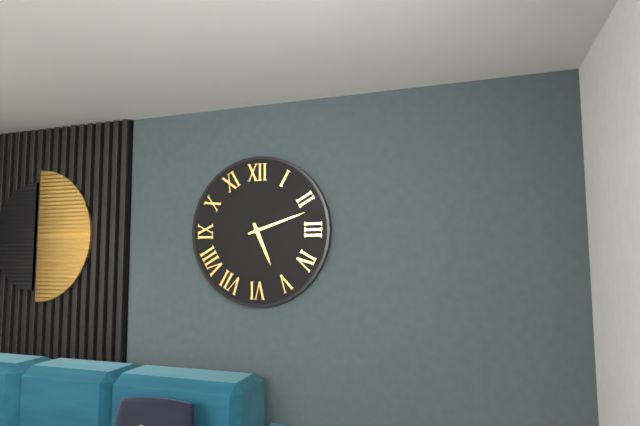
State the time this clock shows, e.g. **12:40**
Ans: **5:12**
